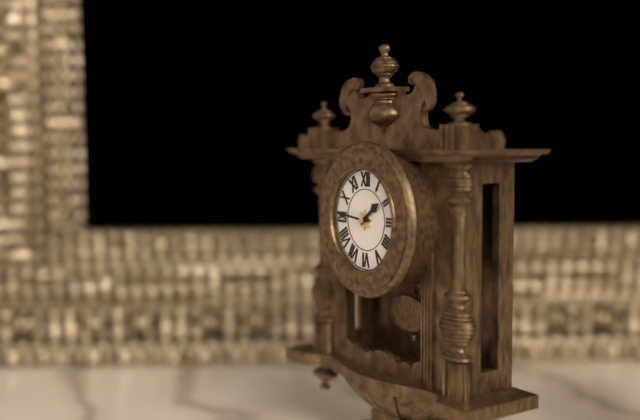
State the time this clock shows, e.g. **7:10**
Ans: **1:46**
